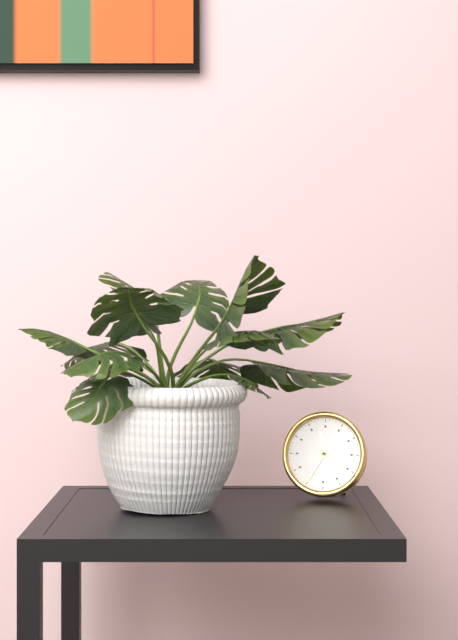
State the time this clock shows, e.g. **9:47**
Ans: **11:35**
